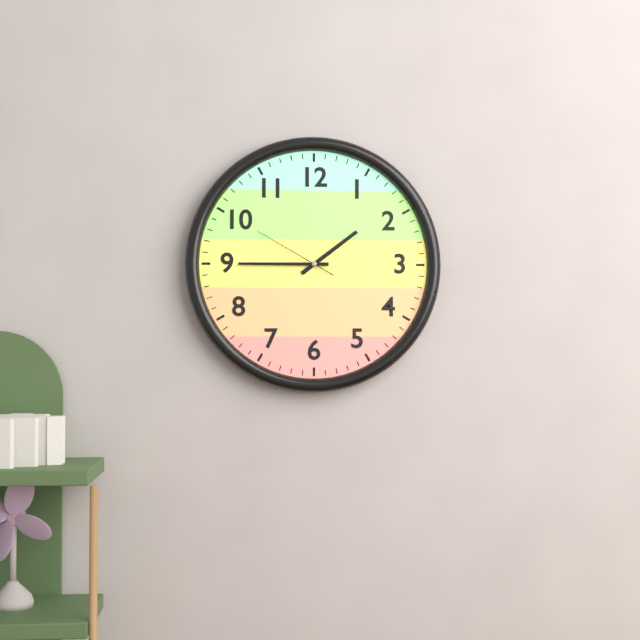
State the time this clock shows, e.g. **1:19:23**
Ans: **1:45:50**
